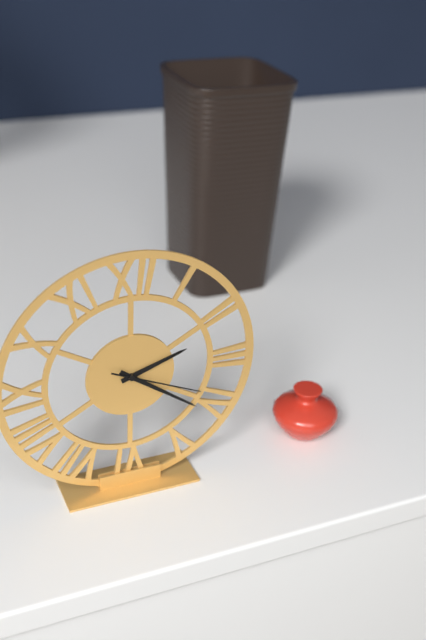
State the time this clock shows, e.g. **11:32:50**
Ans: **2:21:19**
